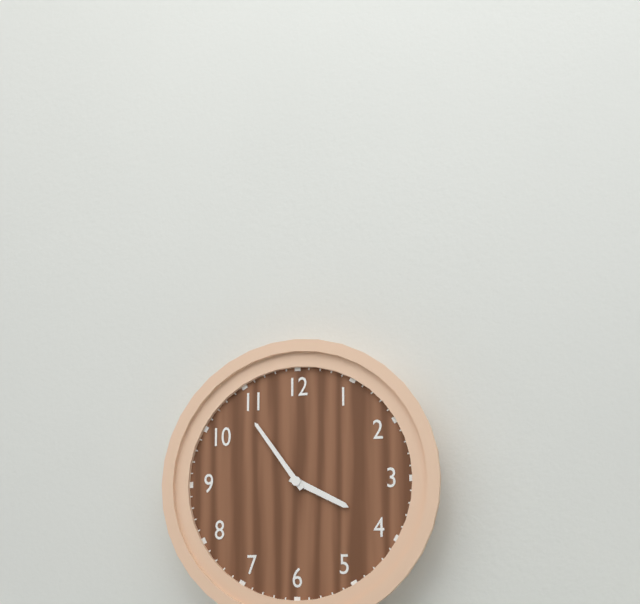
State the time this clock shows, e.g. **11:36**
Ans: **3:54**
